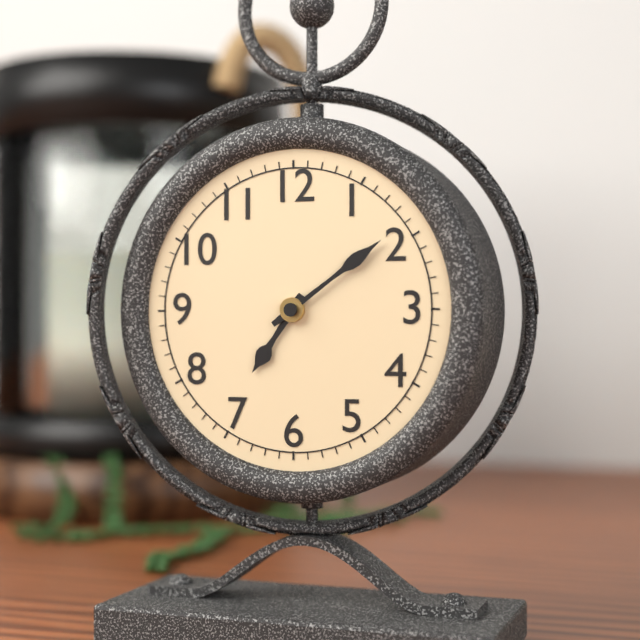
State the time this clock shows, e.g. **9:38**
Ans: **7:09**
